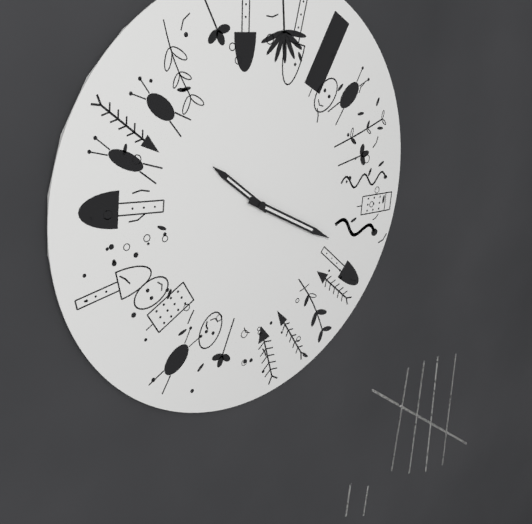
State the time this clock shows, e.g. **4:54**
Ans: **10:20**
